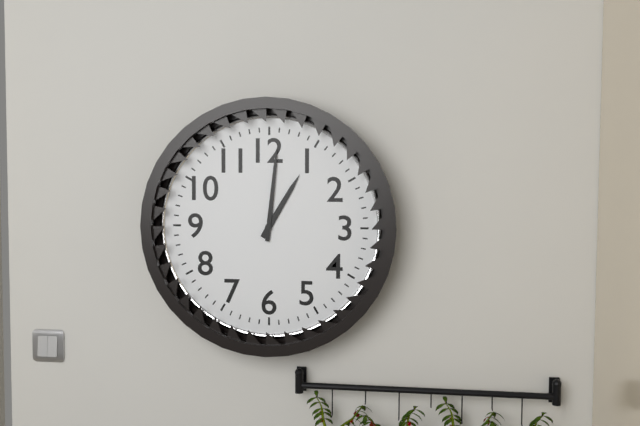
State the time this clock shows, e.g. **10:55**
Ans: **1:01**
